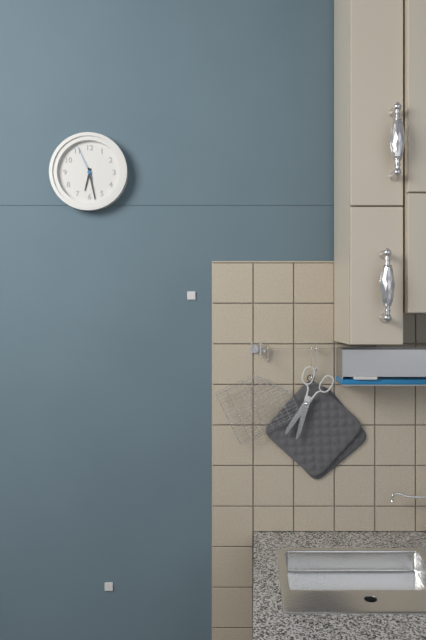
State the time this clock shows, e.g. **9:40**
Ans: **6:28**
